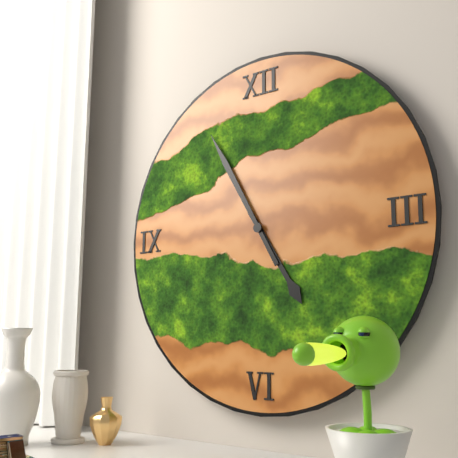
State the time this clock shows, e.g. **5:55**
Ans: **4:55**
